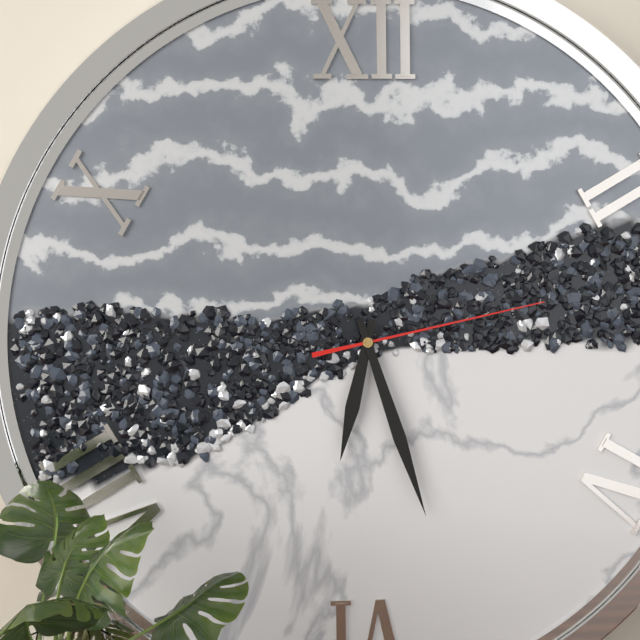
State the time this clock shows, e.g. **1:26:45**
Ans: **6:27:13**
